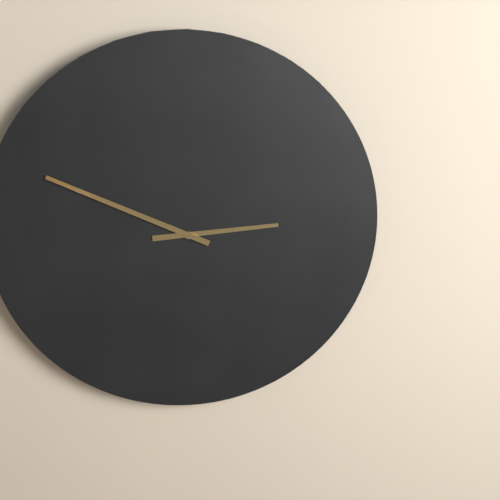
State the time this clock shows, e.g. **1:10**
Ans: **2:49**
